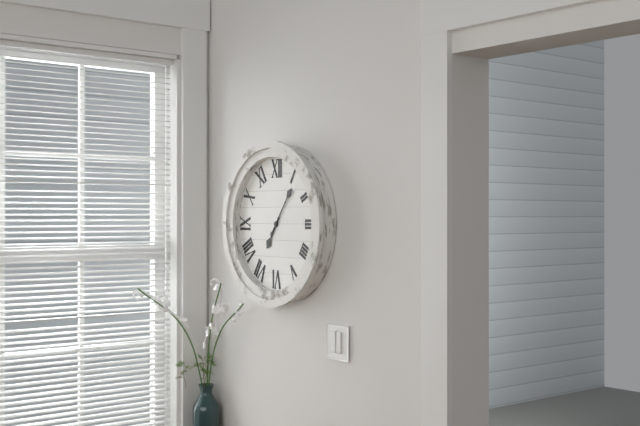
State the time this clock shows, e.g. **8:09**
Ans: **7:06**
